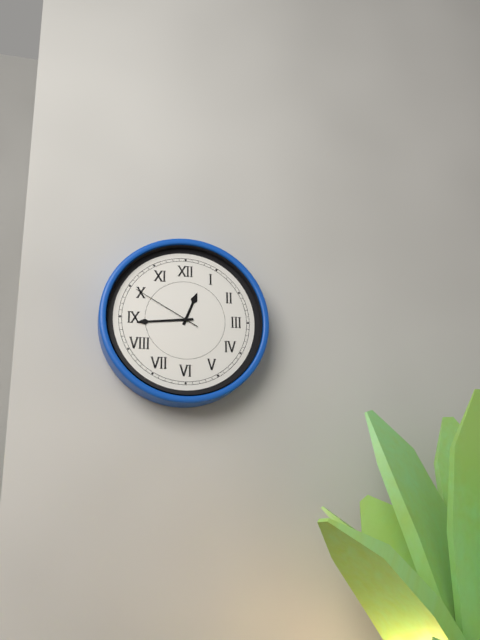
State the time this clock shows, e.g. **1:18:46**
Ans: **12:44:50**
